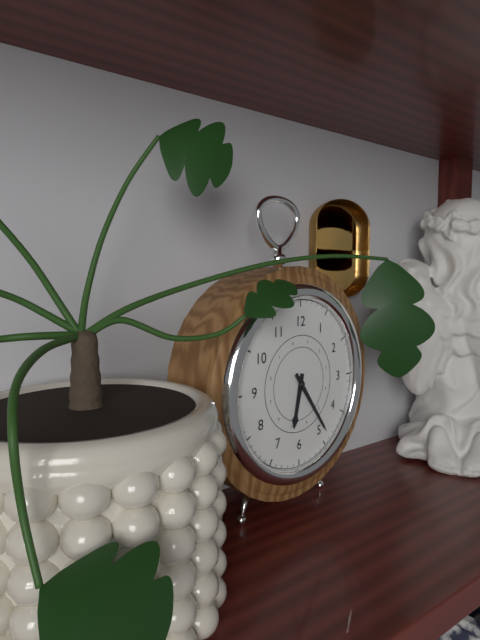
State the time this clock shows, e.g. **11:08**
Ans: **6:24**
